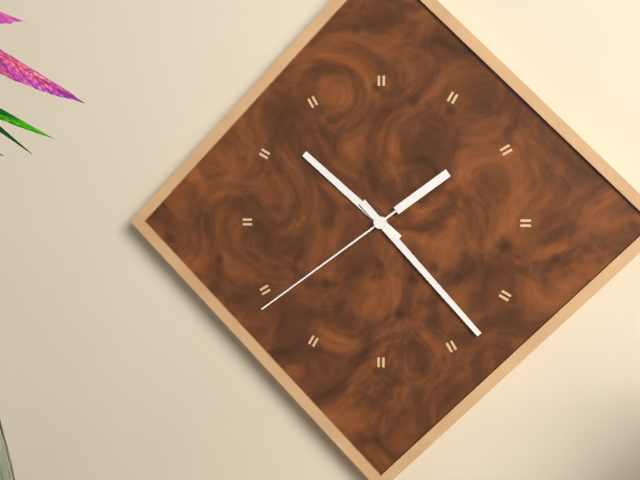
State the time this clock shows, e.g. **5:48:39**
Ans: **10:23:39**
